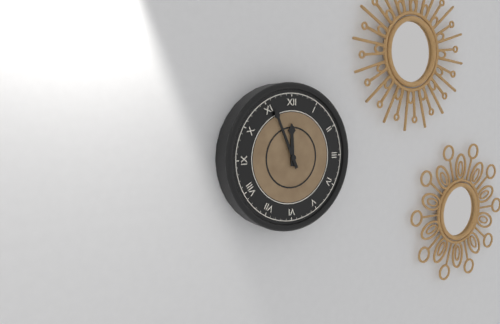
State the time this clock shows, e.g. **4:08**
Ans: **11:56**
